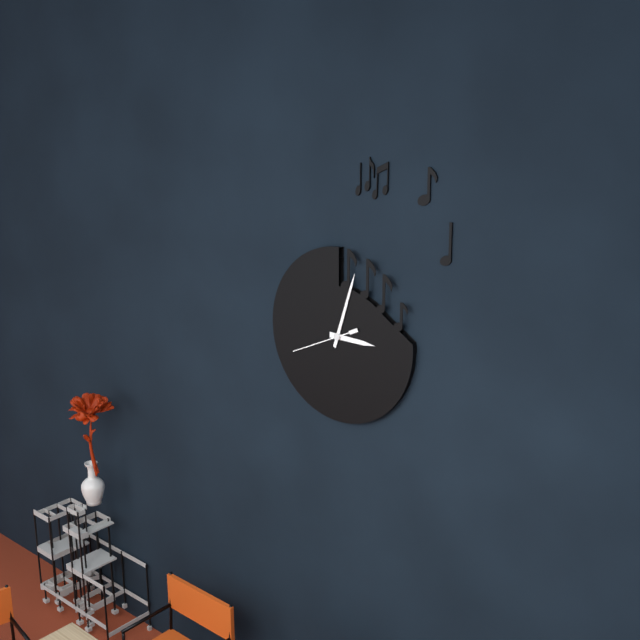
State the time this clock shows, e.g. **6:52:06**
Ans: **3:03:41**
